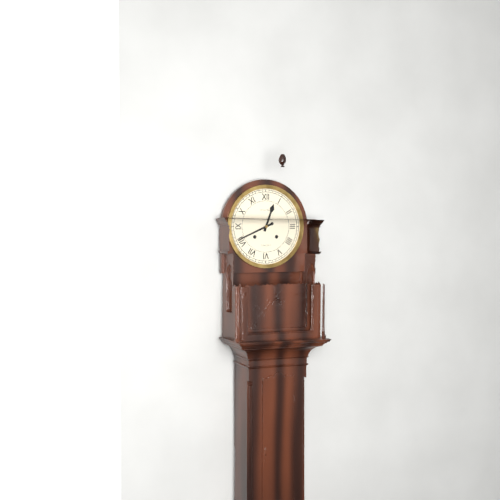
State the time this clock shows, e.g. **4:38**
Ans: **12:41**
